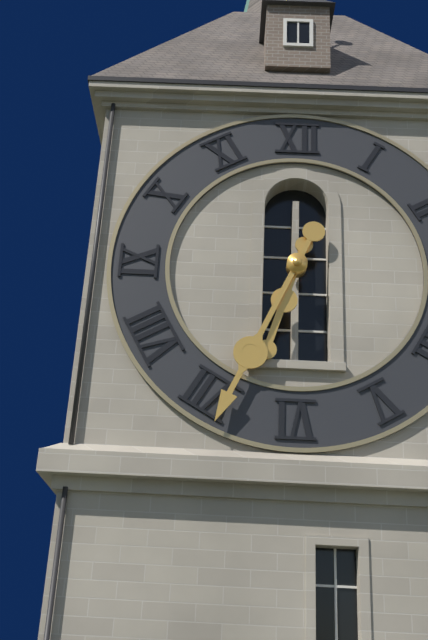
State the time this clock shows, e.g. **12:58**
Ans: **6:34**
